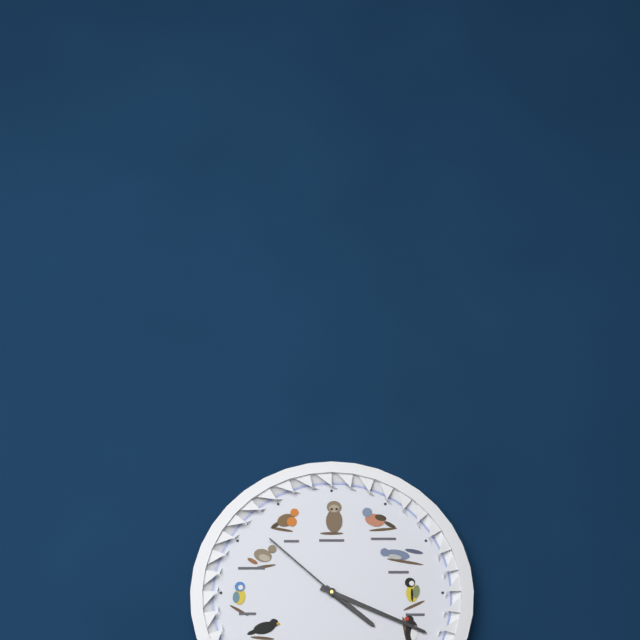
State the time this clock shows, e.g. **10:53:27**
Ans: **4:19:52**
